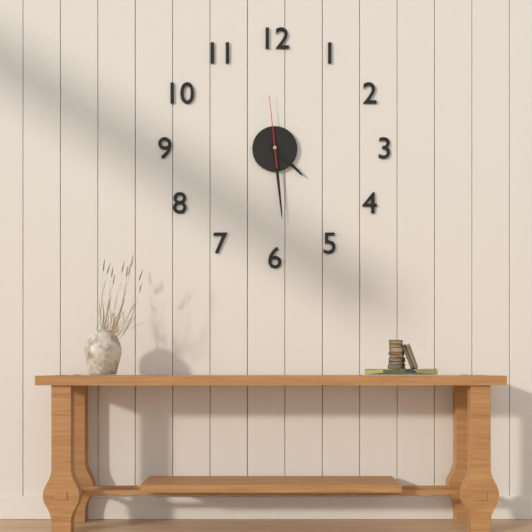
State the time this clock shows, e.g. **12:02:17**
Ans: **4:29:59**
